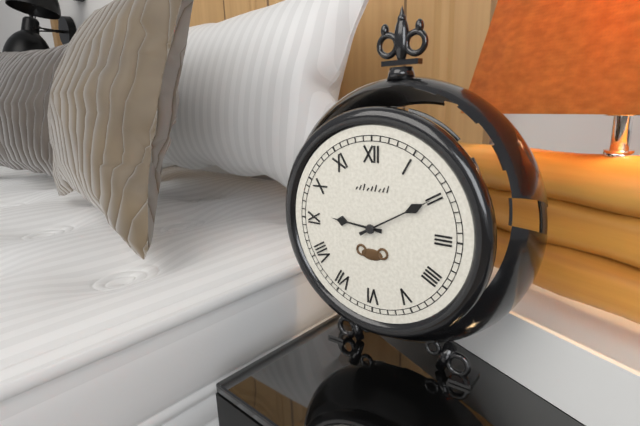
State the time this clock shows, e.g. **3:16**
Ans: **9:10**
